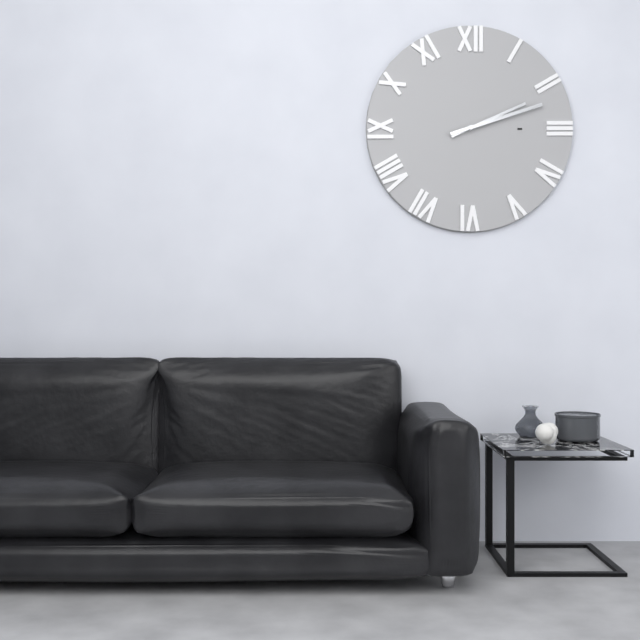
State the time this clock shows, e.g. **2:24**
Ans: **2:12**
